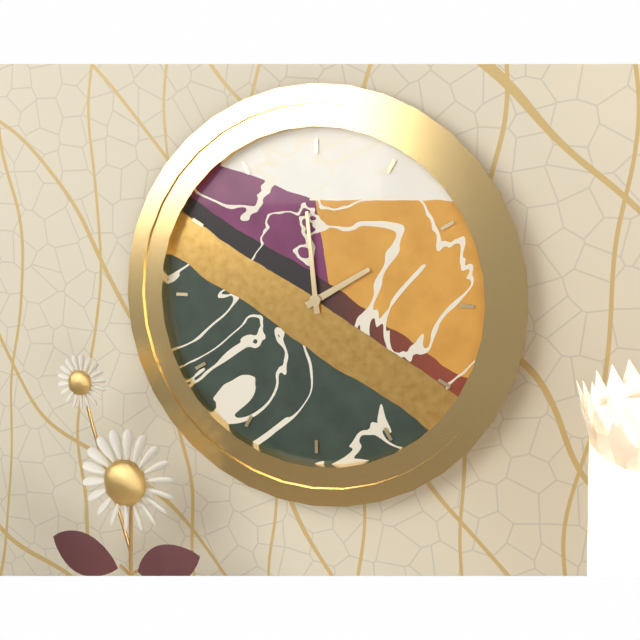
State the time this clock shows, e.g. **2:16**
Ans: **1:59**
